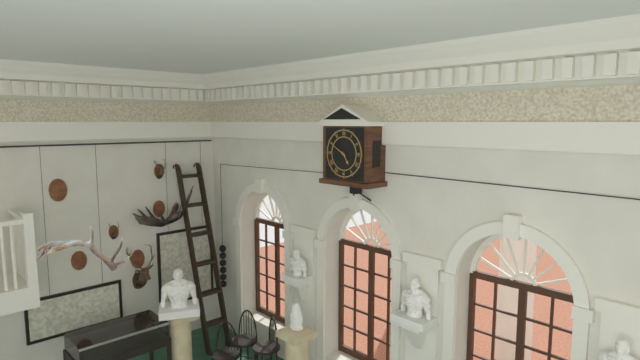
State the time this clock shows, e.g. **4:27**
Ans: **4:50**
